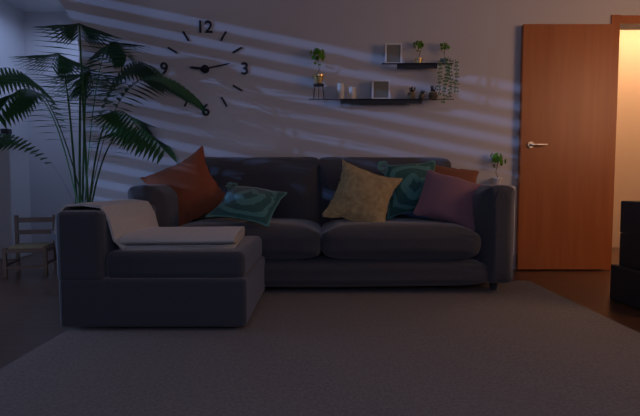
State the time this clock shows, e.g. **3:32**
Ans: **9:13**
